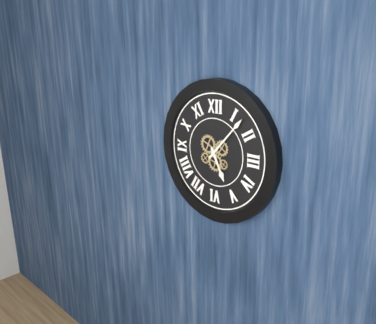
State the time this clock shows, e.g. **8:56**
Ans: **5:07**
